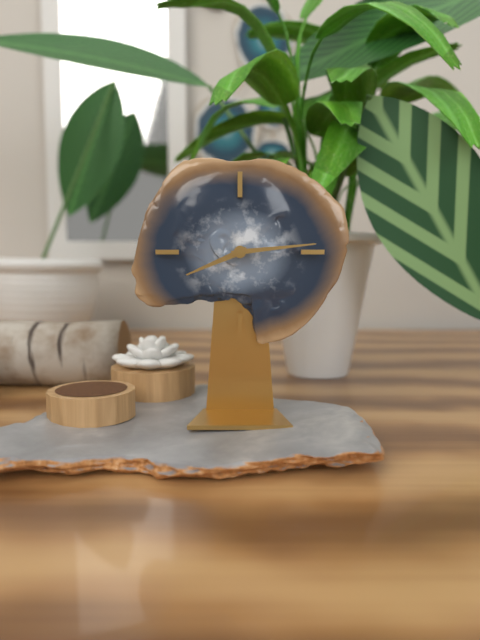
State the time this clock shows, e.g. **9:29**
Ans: **8:14**
